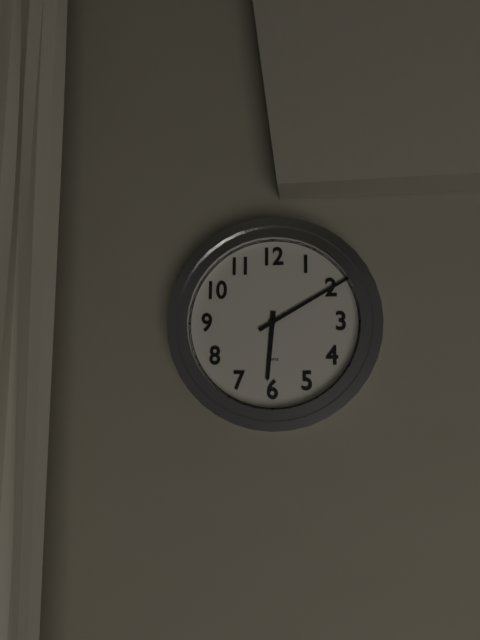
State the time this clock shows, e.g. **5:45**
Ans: **6:10**
